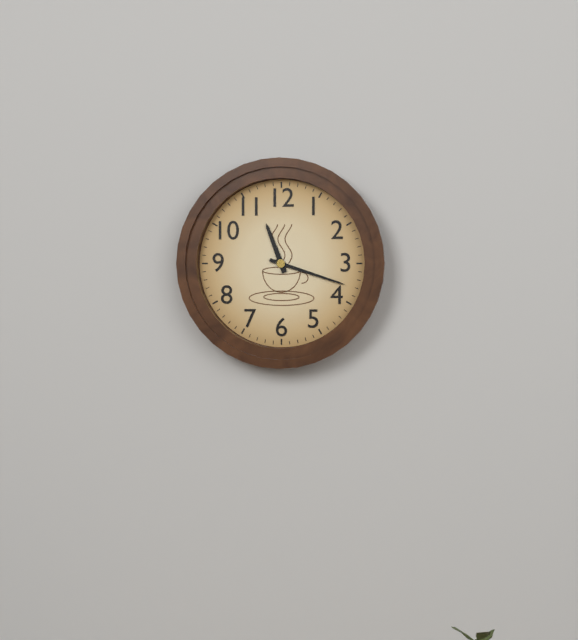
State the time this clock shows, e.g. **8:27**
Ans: **11:18**
